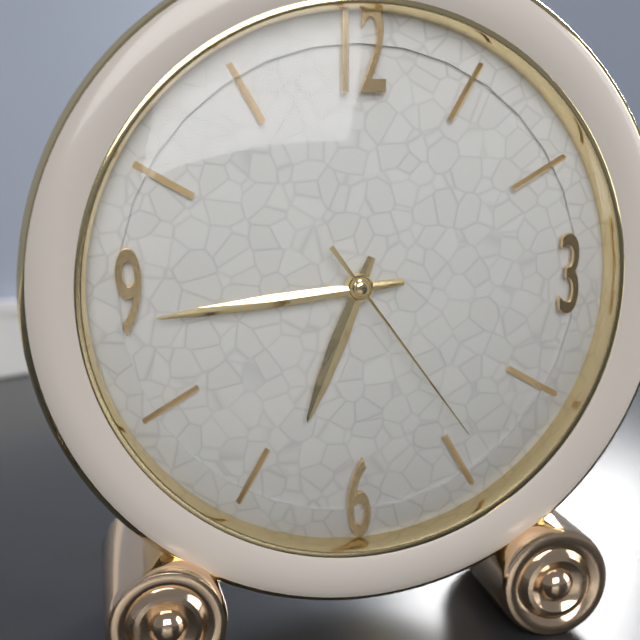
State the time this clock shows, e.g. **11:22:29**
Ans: **6:44:24**
